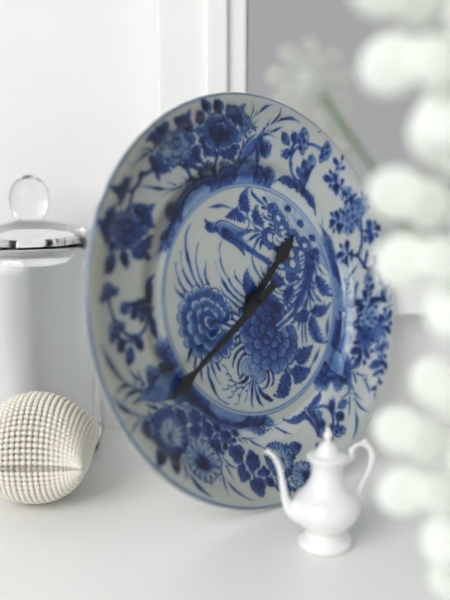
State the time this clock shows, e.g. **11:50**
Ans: **1:40**
